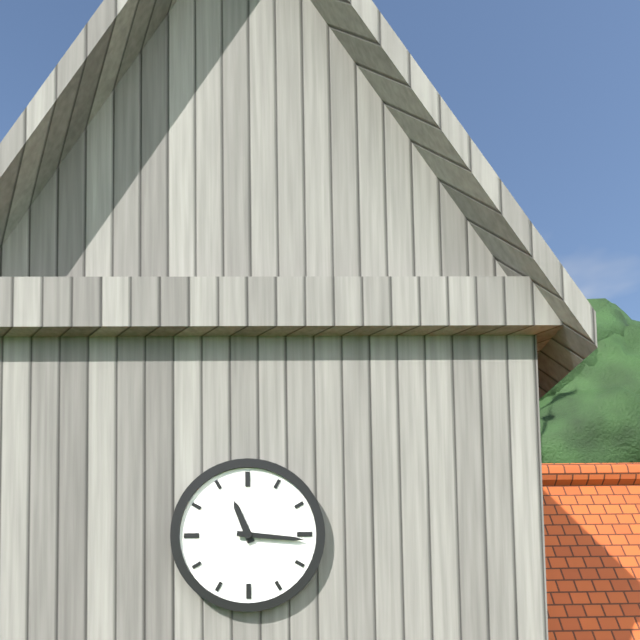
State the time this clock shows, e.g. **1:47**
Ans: **11:16**
